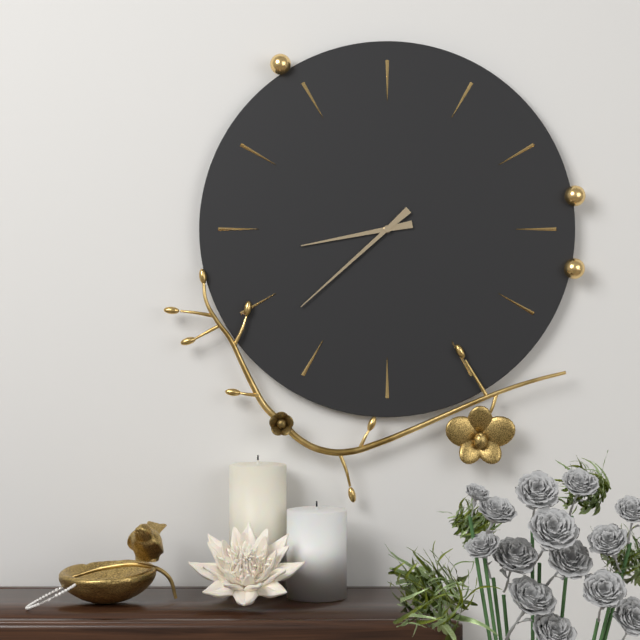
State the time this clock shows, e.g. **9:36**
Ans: **8:38**
